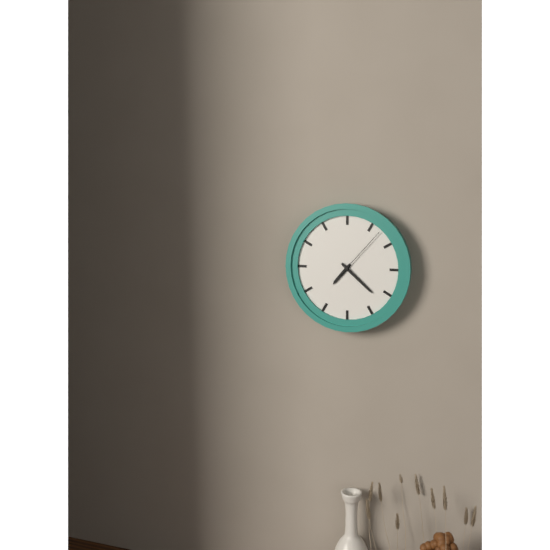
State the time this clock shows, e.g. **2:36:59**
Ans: **7:22:07**
